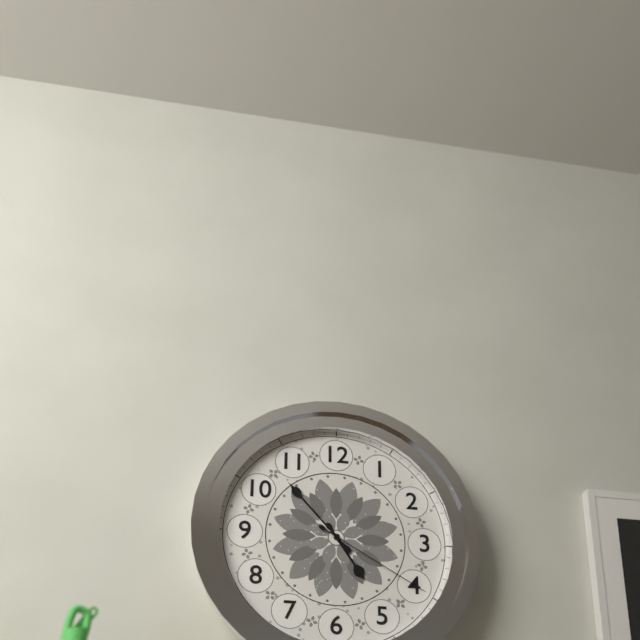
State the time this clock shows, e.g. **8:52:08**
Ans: **4:53:20**
